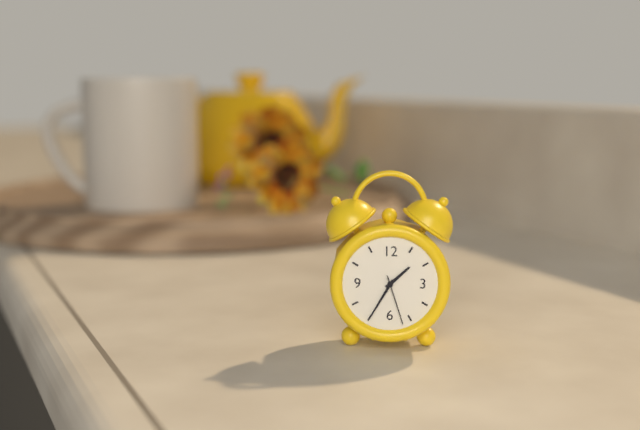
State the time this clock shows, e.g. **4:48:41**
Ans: **1:35:27**
